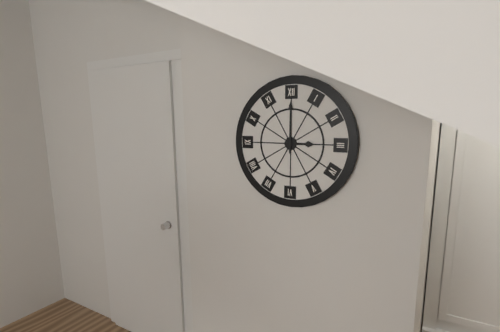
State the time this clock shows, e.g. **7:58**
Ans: **3:00**
